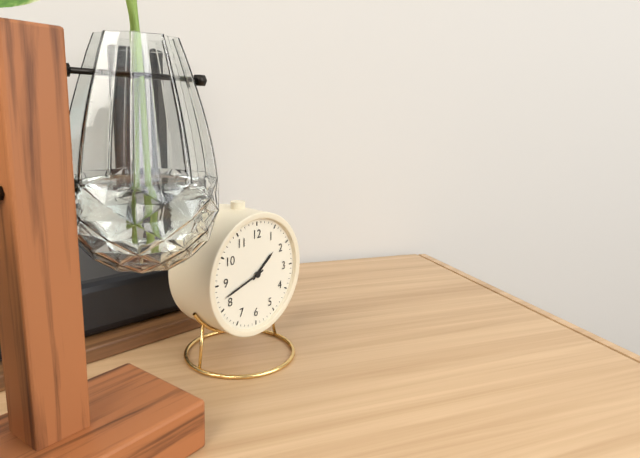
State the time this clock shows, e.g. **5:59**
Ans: **1:42**
